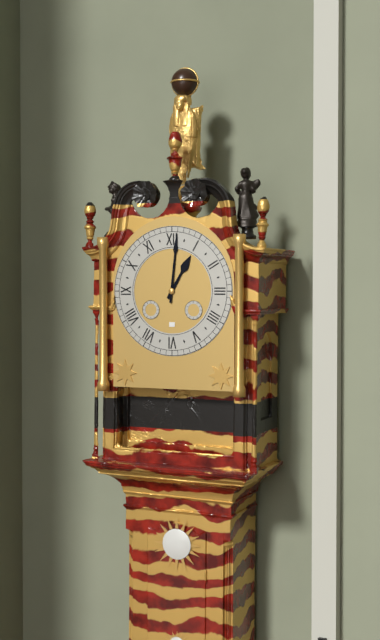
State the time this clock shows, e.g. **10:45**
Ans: **1:01**
